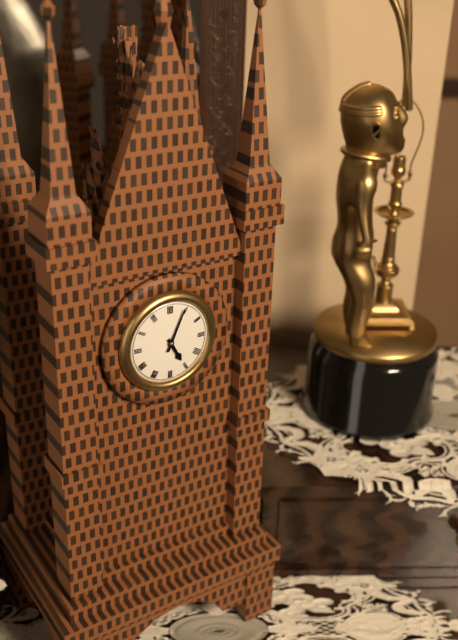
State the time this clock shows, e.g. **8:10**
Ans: **5:04**
